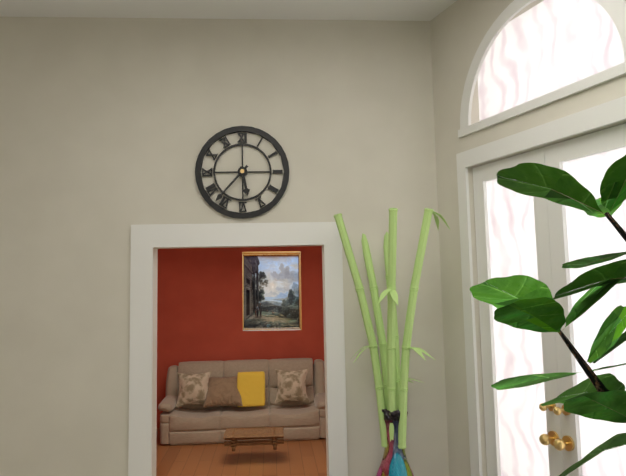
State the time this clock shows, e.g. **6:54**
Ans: **5:37**
